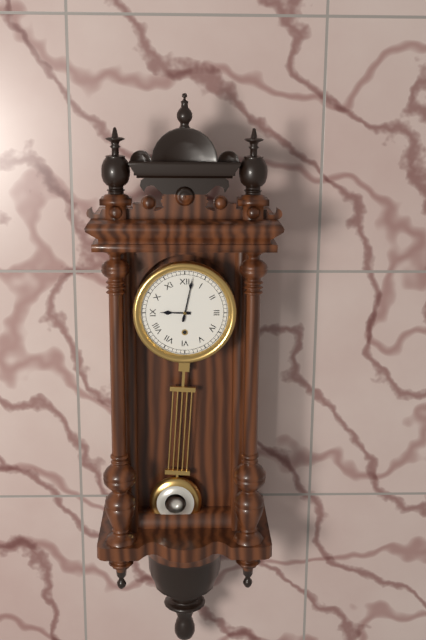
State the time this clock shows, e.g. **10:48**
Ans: **9:02**
